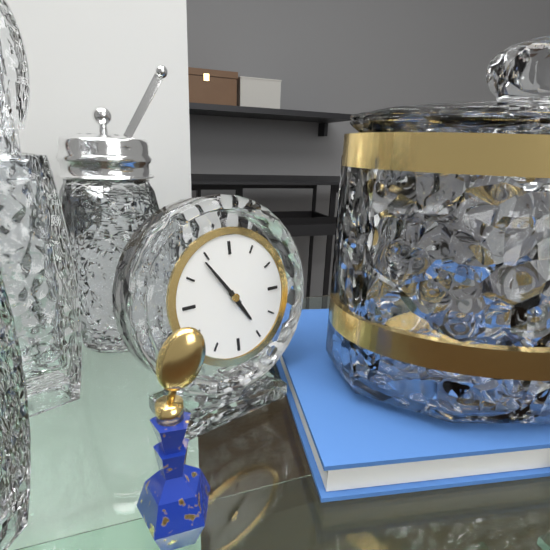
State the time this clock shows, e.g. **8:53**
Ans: **4:54**
